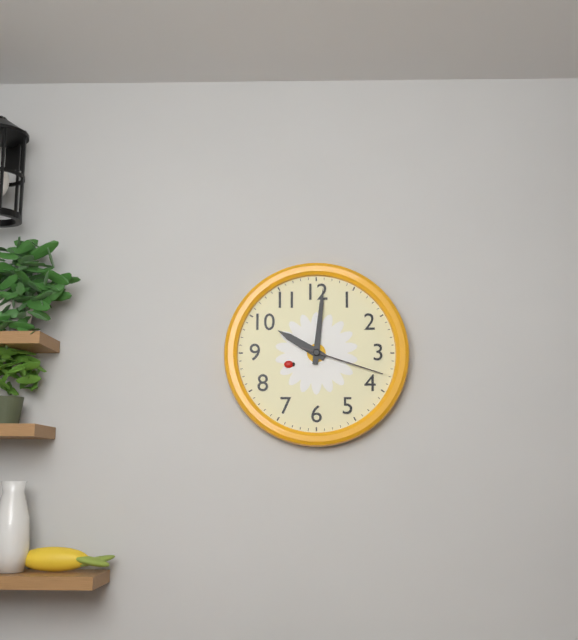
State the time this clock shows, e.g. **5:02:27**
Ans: **10:01:18**
